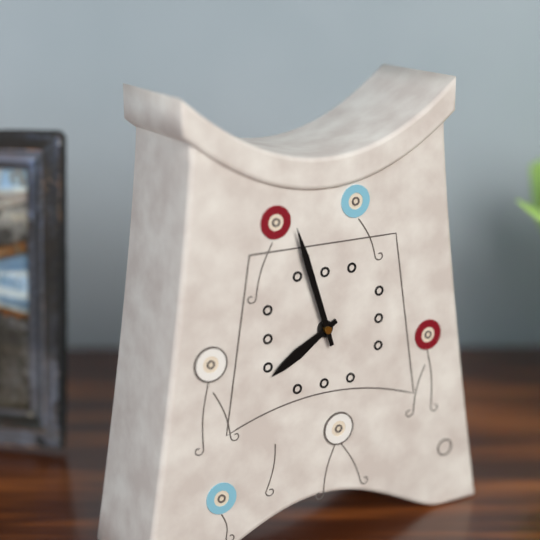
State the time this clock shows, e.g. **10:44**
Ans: **7:57**
